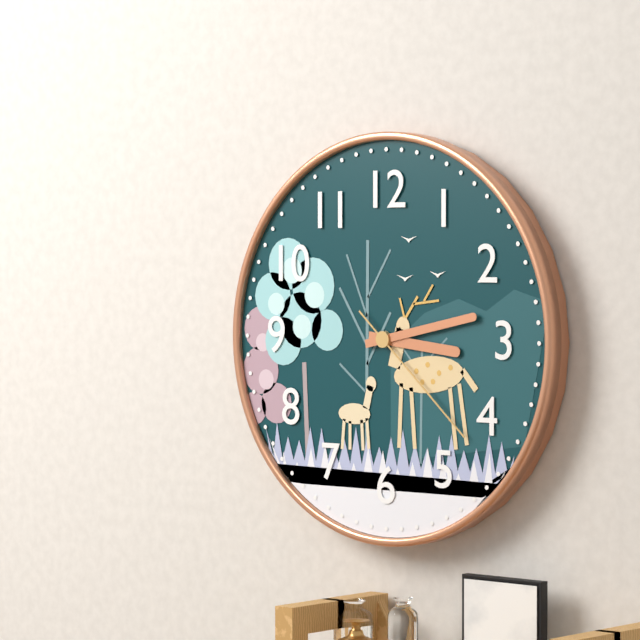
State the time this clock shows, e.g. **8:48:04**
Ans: **3:13:22**
